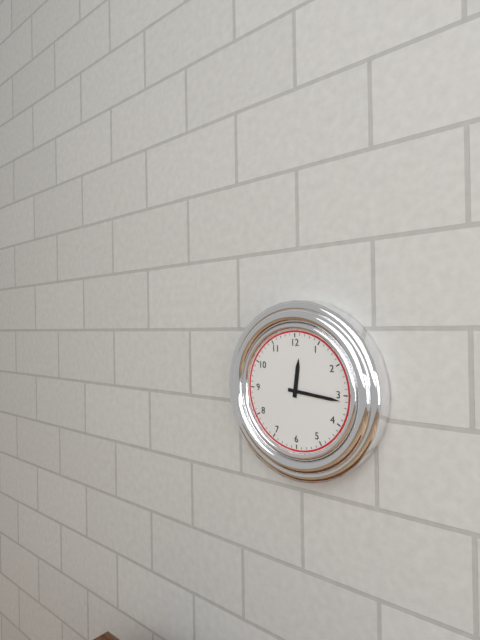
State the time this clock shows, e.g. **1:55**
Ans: **12:16**
